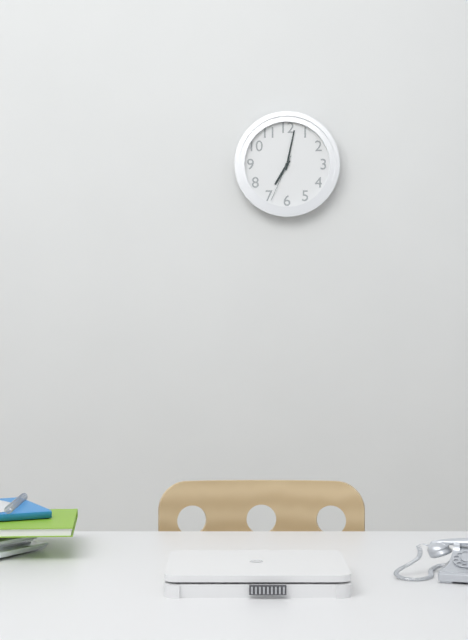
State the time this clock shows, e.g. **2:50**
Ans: **7:02**
